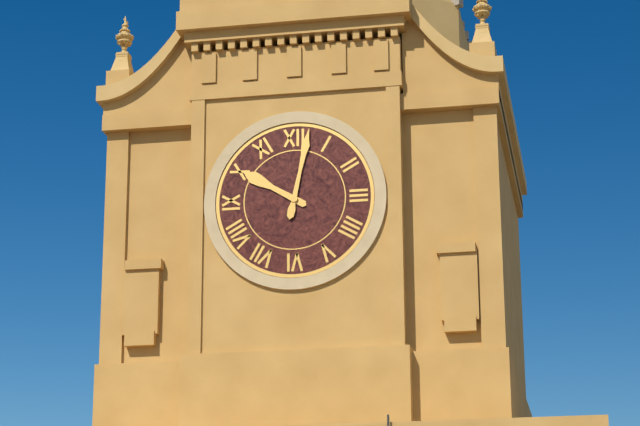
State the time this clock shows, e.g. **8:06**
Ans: **10:02**
